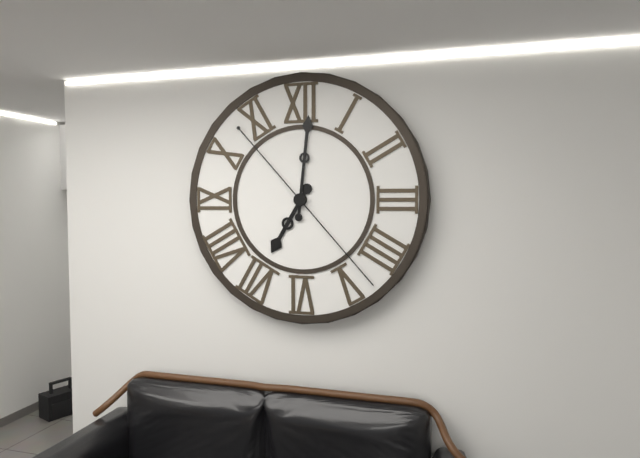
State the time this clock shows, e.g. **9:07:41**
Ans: **7:01:23**
